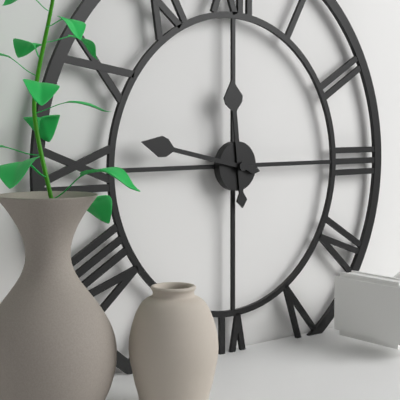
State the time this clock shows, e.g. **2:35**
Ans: **11:47**
